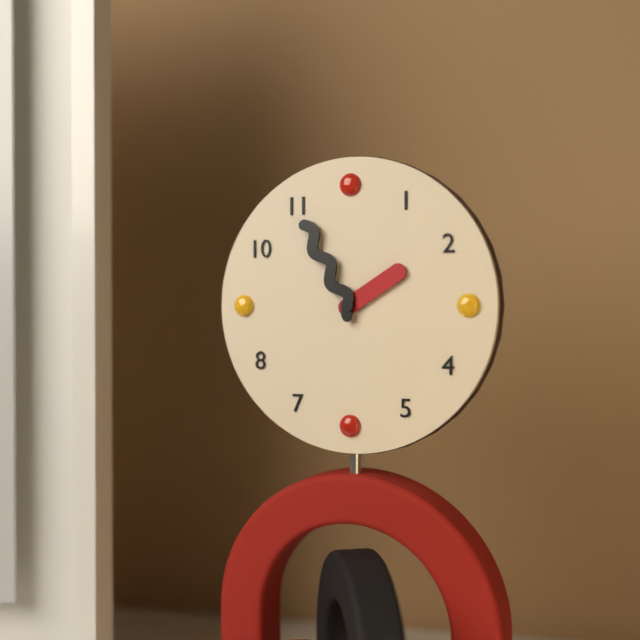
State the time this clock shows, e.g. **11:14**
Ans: **1:55**
